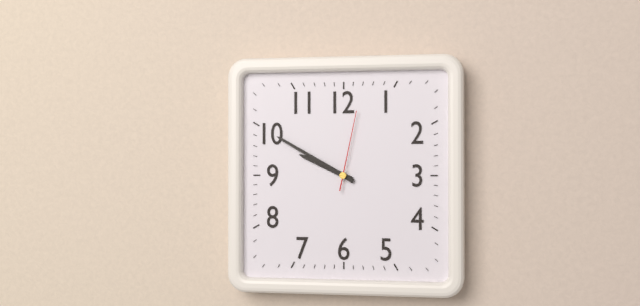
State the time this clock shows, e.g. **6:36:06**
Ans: **9:50:02**
